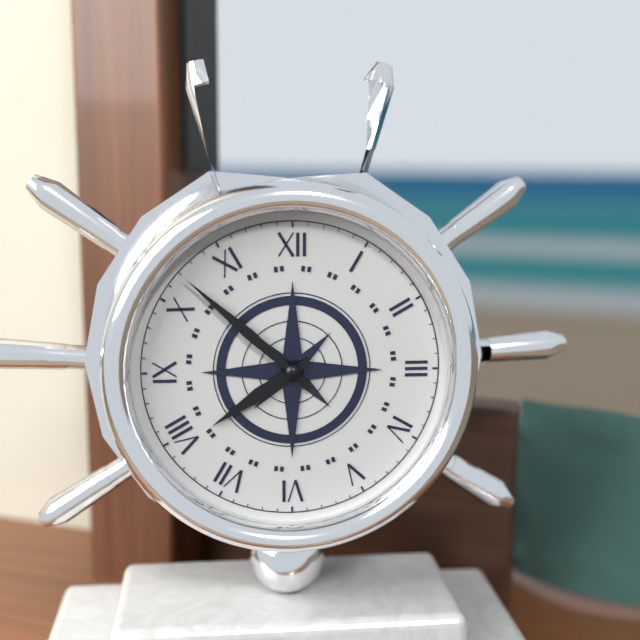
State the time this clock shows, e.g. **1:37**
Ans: **7:52**
